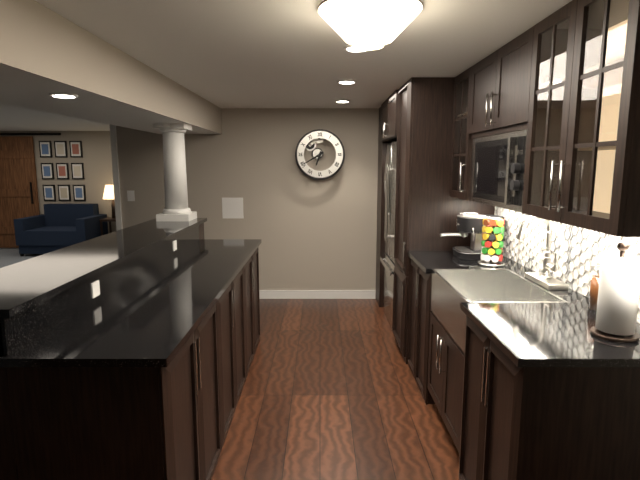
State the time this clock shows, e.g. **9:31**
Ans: **6:40**
